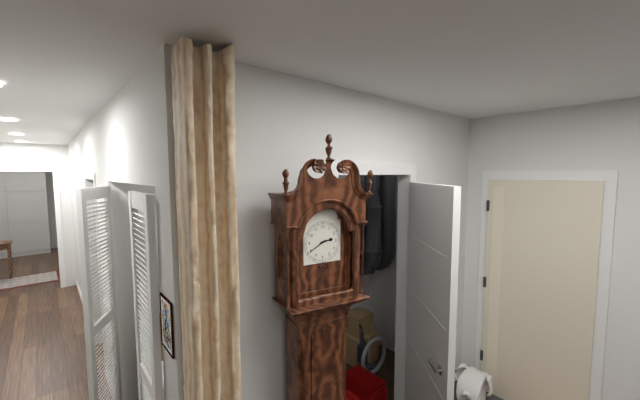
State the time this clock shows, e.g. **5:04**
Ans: **2:40**
